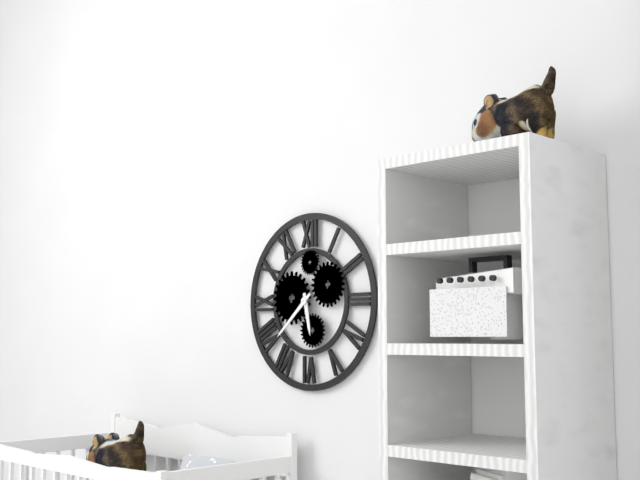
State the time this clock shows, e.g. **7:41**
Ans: **5:38**
